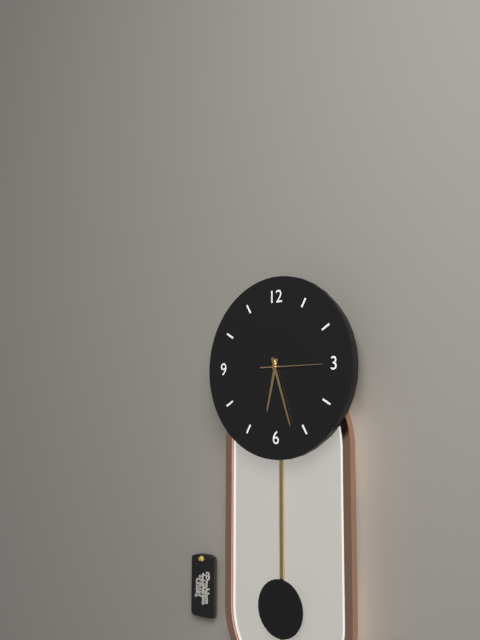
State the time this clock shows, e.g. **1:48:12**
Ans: **6:27:15**
